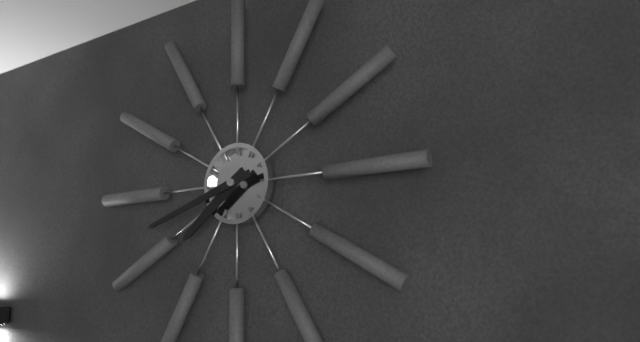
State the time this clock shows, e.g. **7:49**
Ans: **7:42**
